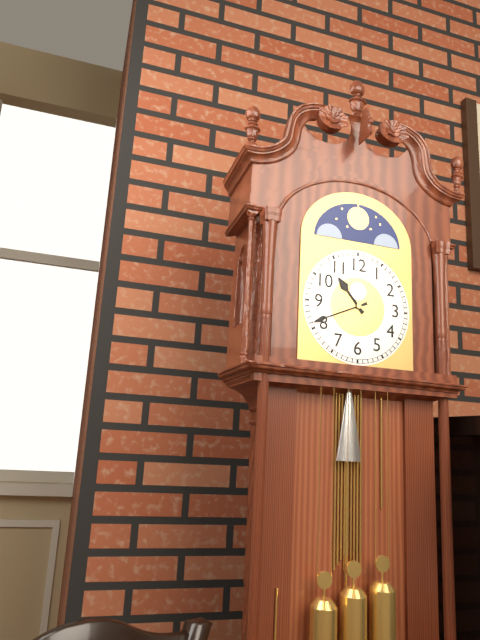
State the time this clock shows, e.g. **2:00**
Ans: **10:41**
